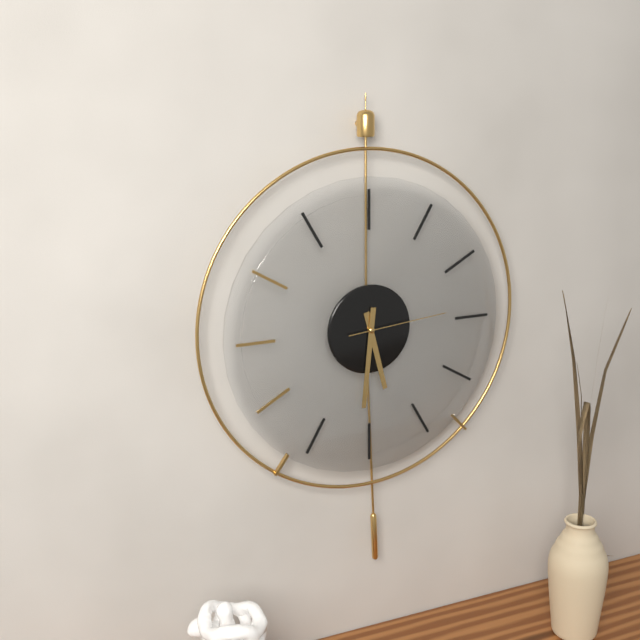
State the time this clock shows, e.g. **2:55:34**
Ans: **5:31:14**
